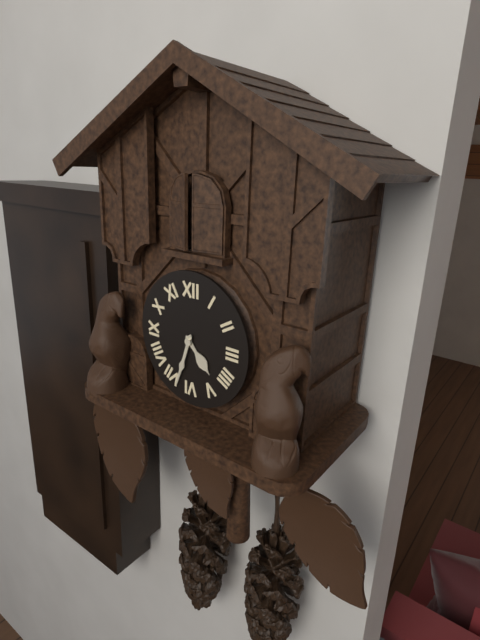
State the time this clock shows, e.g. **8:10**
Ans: **4:33**
